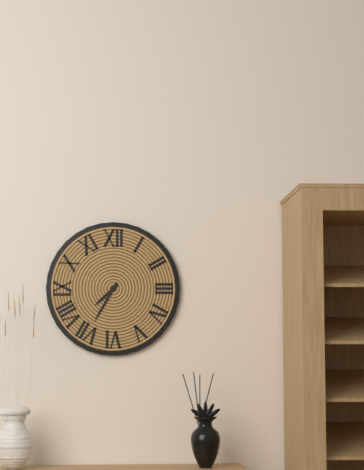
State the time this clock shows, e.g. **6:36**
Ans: **7:35**
